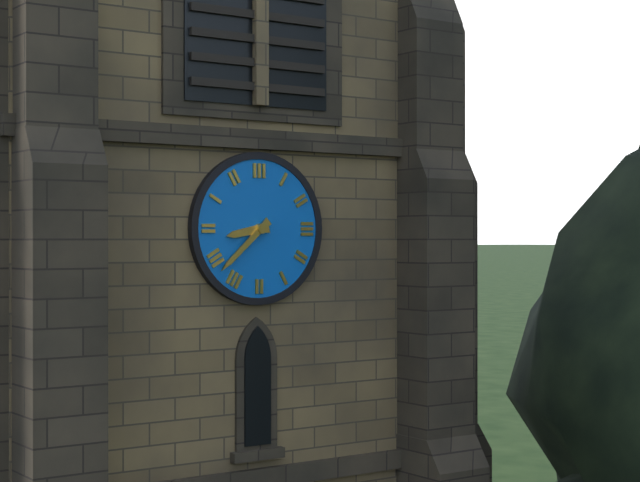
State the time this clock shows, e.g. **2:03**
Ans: **8:38**
